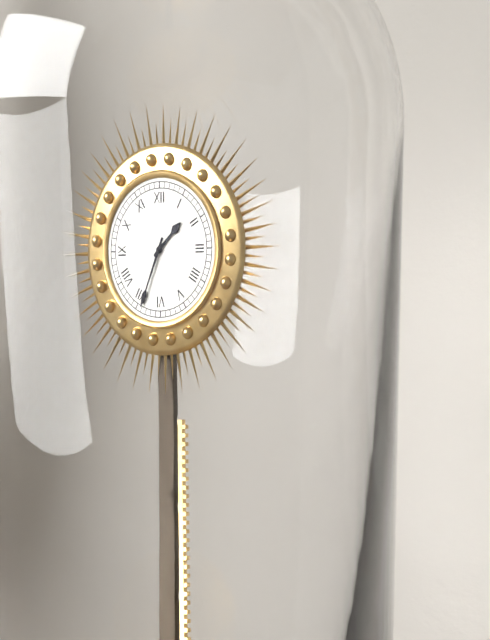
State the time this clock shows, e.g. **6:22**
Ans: **1:34**
